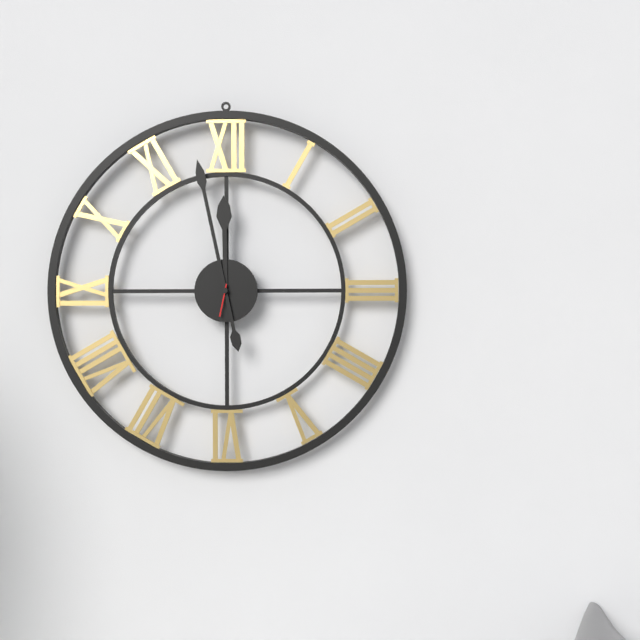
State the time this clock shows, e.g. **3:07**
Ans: **11:58**
